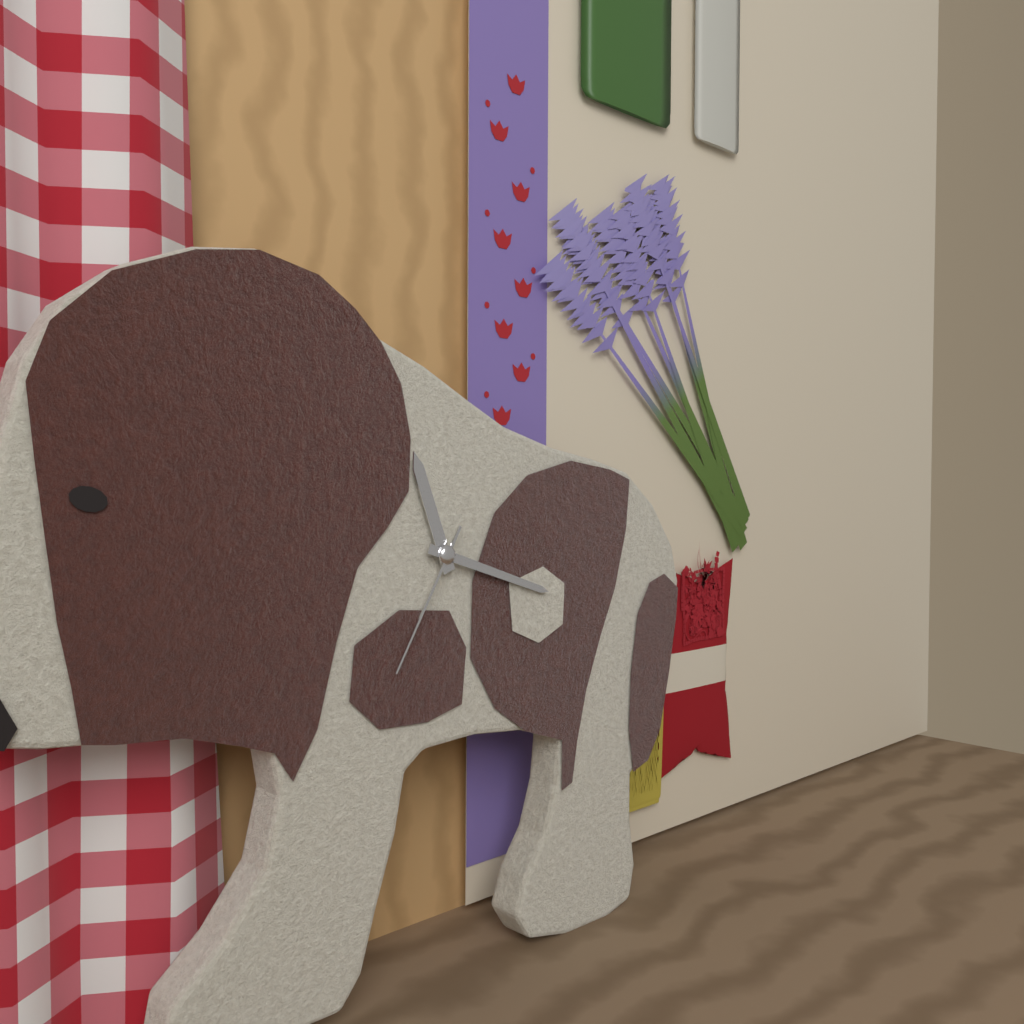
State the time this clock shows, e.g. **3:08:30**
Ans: **11:18:35**
